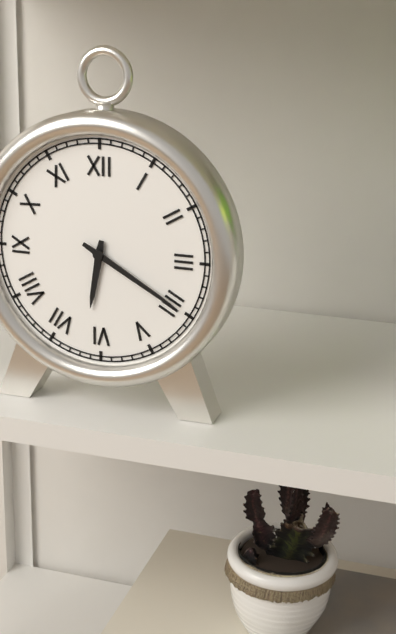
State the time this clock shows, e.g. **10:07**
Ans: **6:20**
